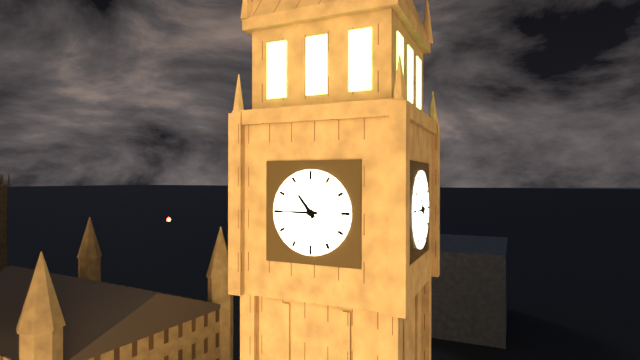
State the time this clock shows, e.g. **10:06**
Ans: **10:45**
